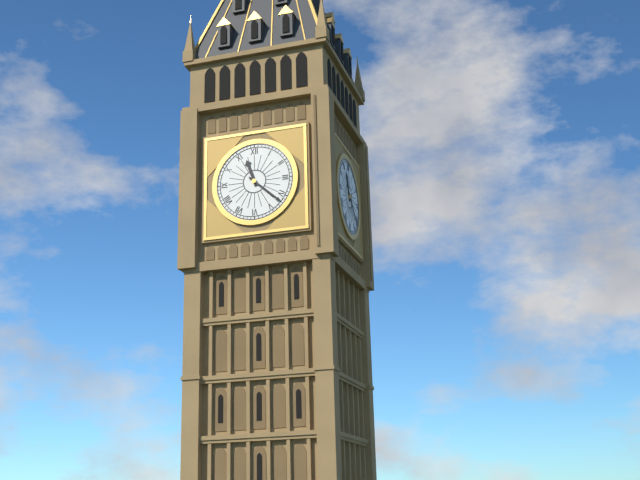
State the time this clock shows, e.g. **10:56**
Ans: **11:22**
